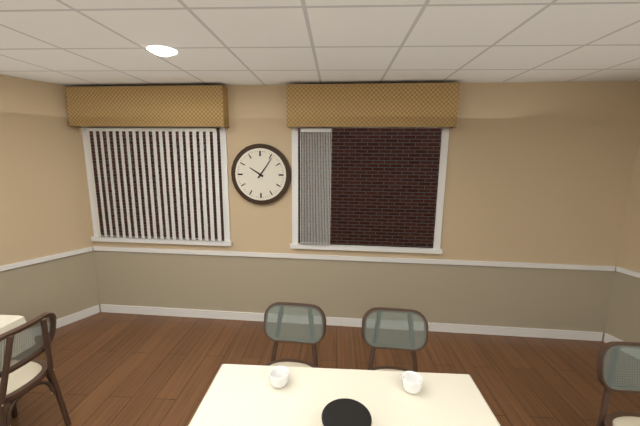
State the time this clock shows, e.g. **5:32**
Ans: **10:06**
